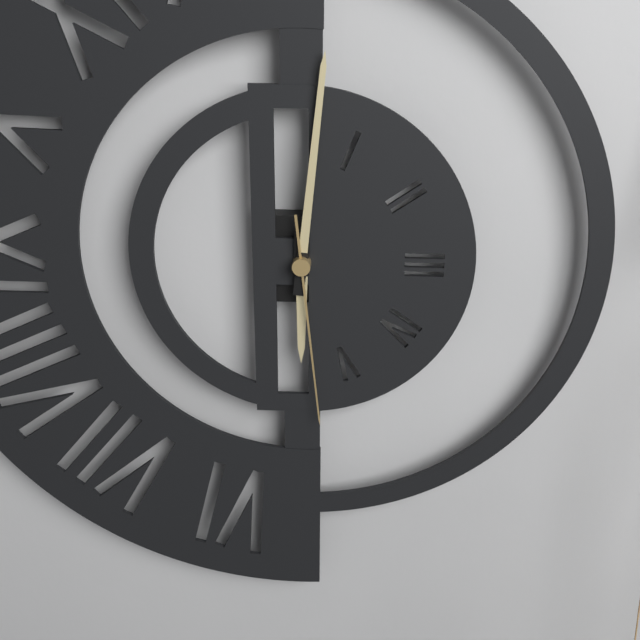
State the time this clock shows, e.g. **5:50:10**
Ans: **6:01:29**
